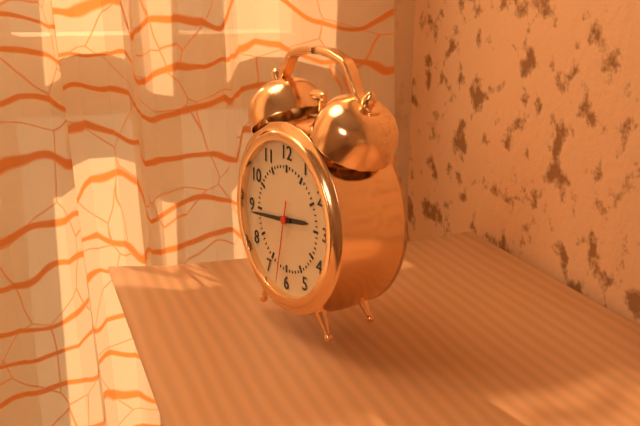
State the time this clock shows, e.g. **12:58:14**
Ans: **2:44:32**
